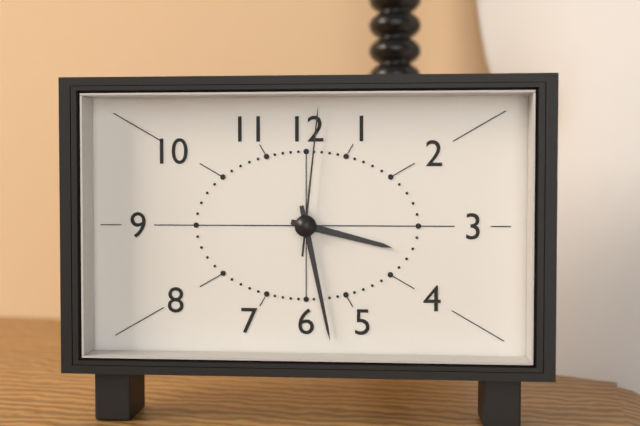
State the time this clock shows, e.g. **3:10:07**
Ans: **3:28:01**
